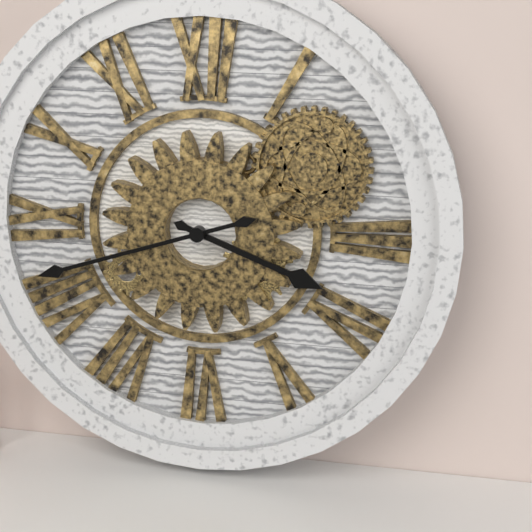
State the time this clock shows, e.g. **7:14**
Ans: **3:42**
